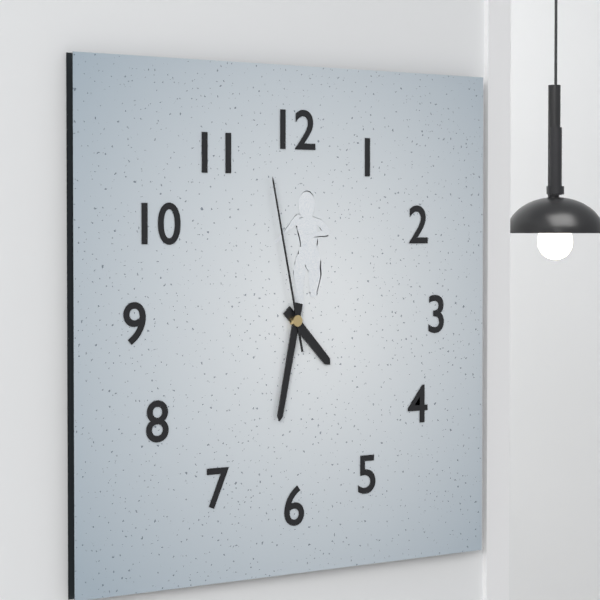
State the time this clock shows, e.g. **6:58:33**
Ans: **4:32:58**
